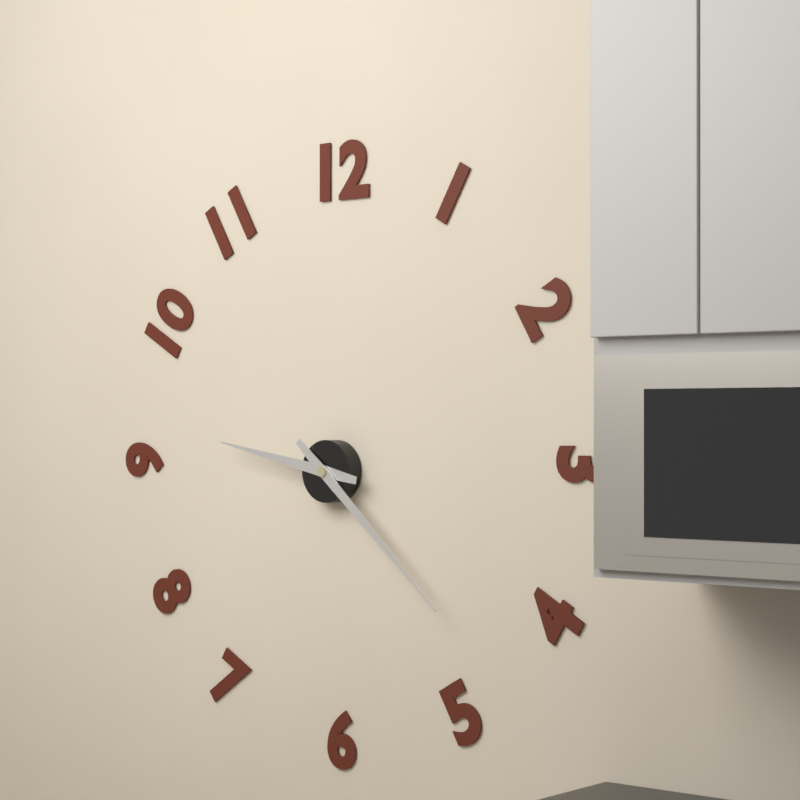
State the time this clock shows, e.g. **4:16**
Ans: **9:22**
